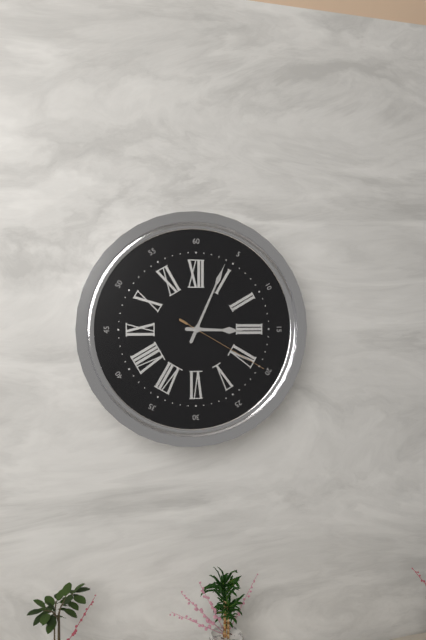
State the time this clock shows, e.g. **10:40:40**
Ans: **3:04:20**
